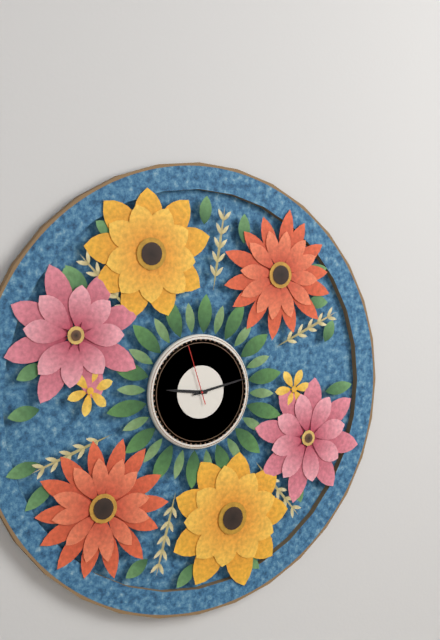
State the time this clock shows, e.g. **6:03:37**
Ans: **9:13:57**
